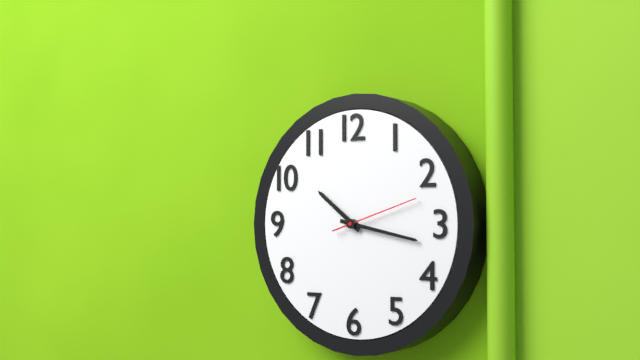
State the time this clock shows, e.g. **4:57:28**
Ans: **10:17:12**
